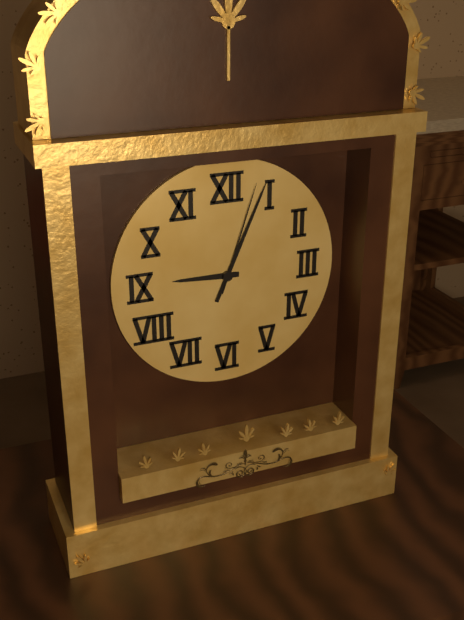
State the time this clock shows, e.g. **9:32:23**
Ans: **9:04:03**
